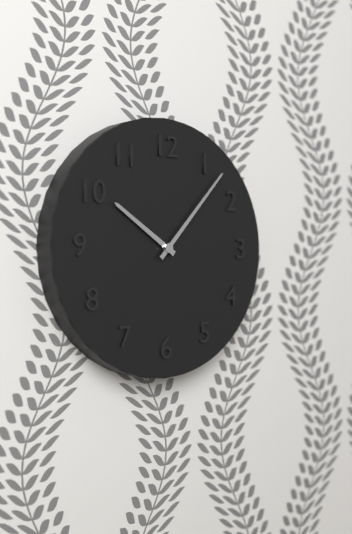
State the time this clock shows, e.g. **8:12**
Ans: **10:07**
